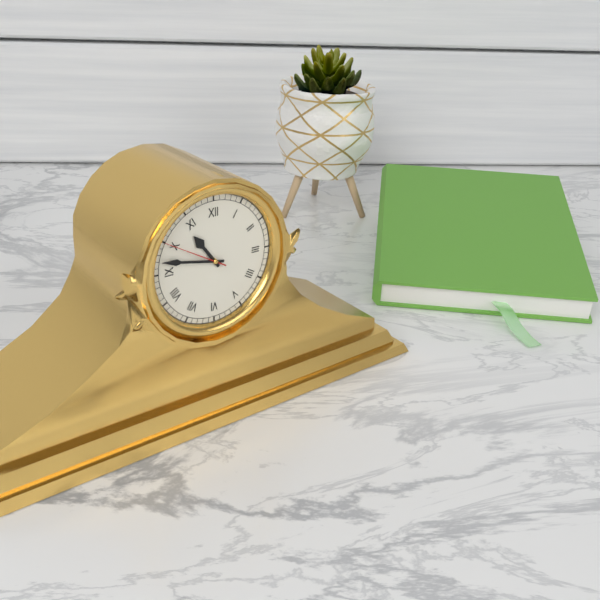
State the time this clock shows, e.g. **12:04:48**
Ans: **10:47:50**
